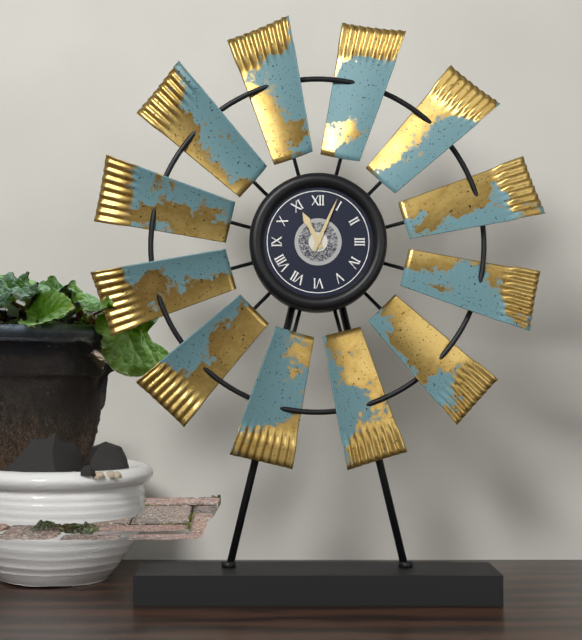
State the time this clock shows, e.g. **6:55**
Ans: **11:04**
